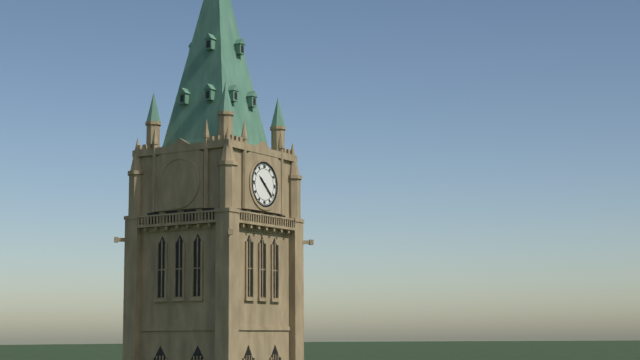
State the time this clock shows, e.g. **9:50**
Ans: **10:22**
